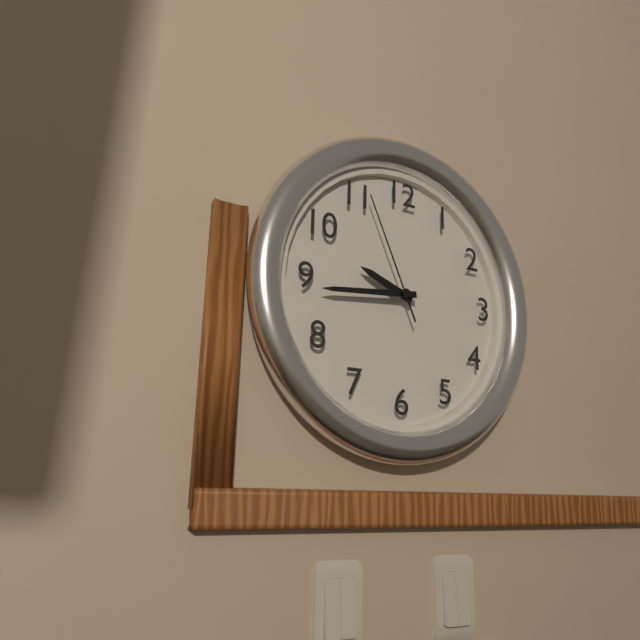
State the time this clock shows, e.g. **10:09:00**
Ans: **9:44:56**
